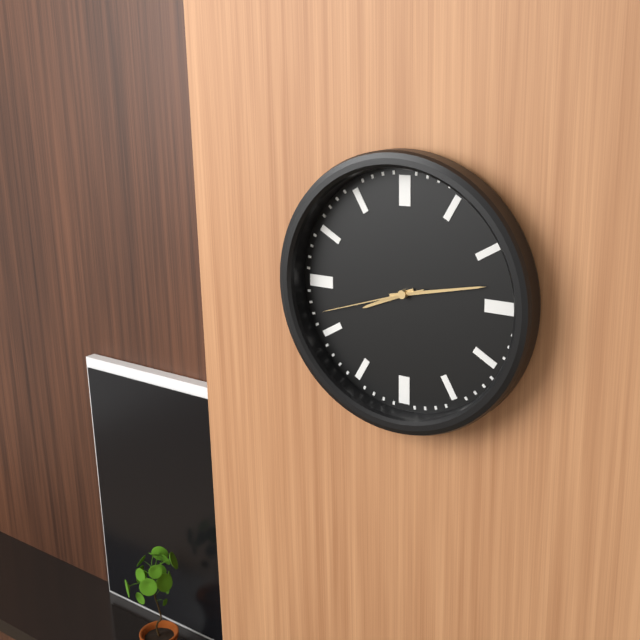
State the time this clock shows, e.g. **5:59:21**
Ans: **8:13:42**
